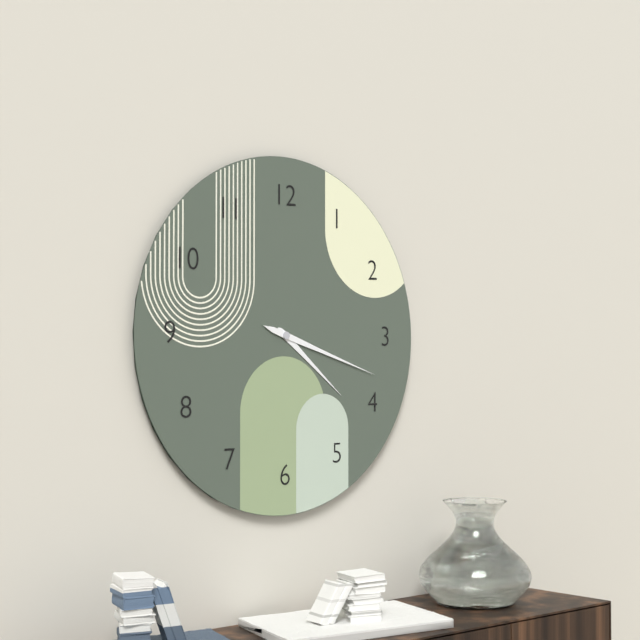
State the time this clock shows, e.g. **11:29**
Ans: **4:18**
